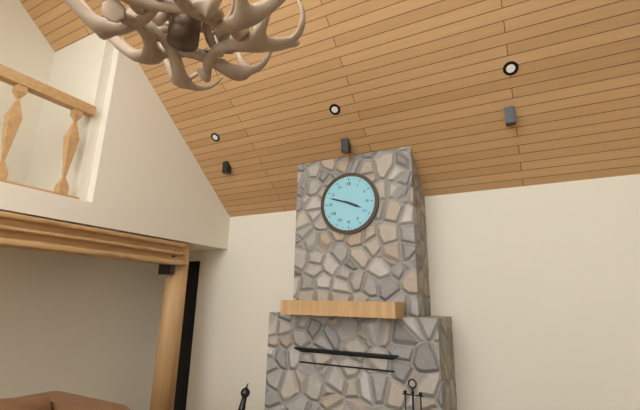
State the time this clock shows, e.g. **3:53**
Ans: **3:48**
